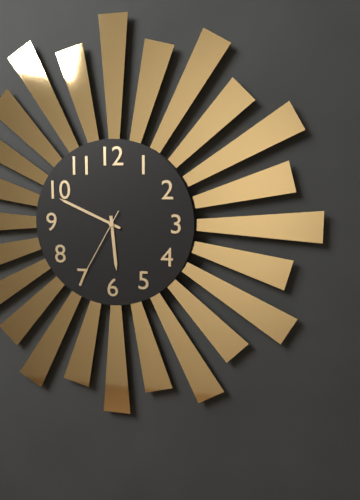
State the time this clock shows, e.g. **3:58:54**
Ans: **5:49:35**
